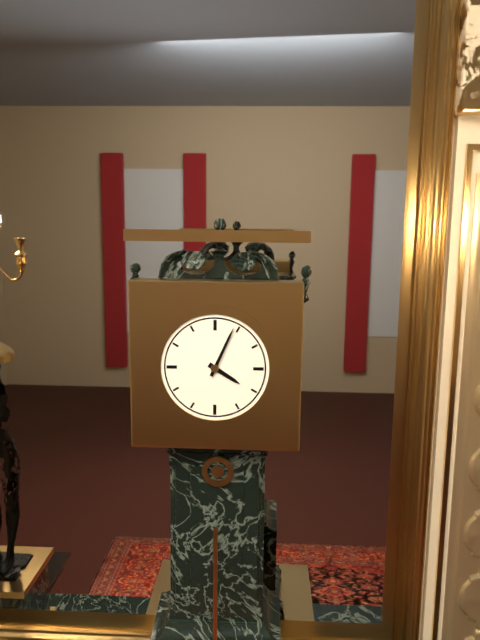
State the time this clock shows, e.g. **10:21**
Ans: **4:04**
